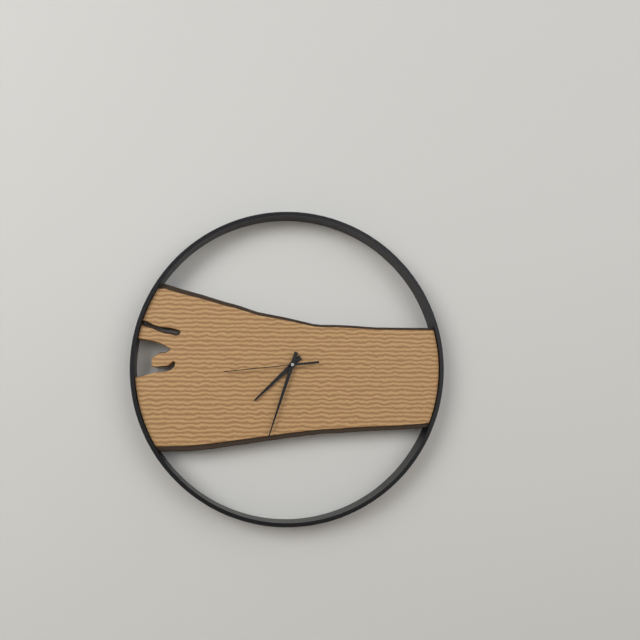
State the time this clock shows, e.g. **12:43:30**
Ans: **7:33:44**
